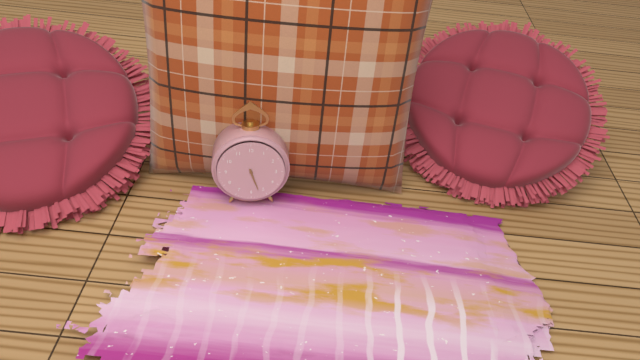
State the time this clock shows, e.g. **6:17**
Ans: **5:27**
